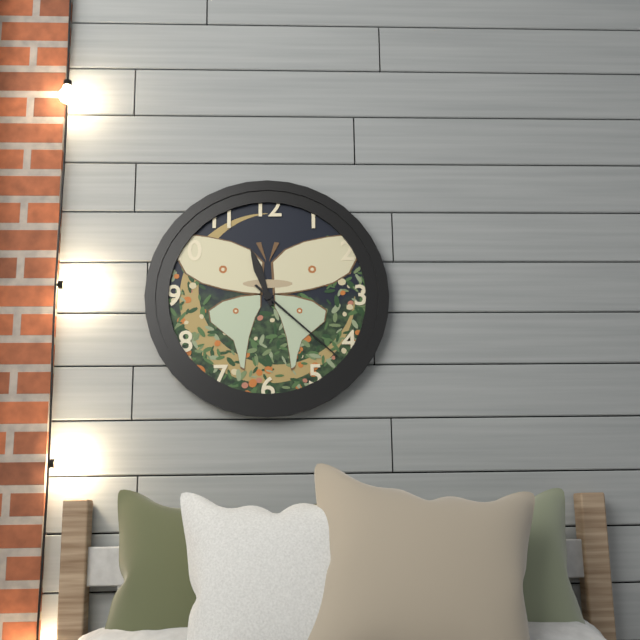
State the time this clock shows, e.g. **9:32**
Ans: **11:22**
